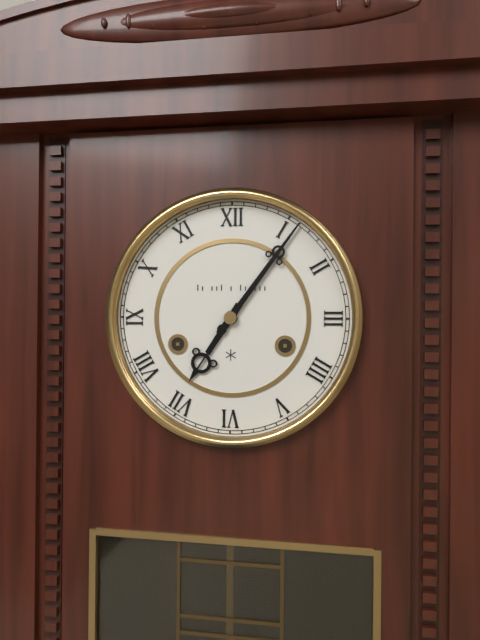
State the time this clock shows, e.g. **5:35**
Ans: **7:06**
